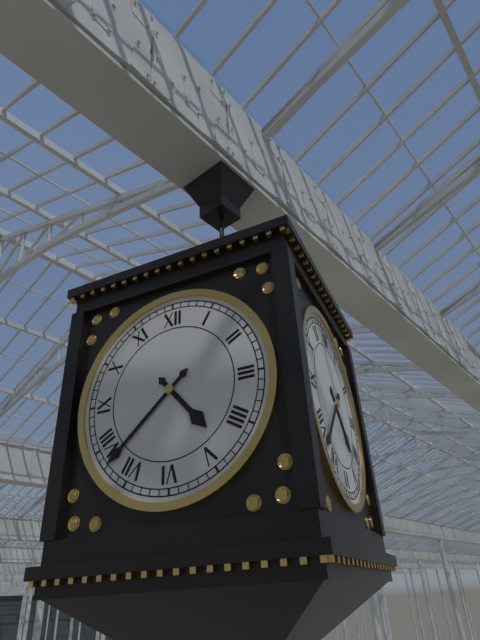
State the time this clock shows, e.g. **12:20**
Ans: **4:38**
